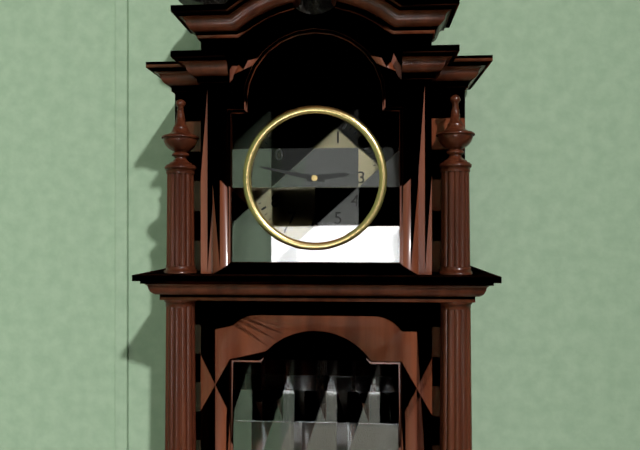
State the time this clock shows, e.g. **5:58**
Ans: **2:47**
